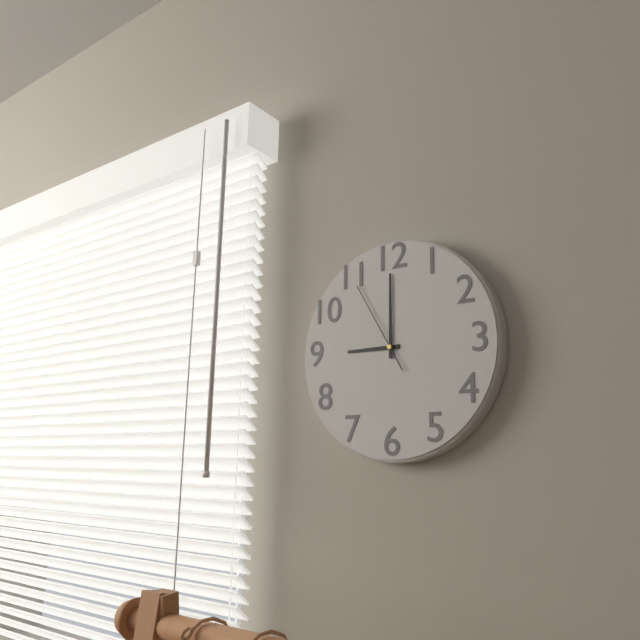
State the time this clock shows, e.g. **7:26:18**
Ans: **9:00:55**
